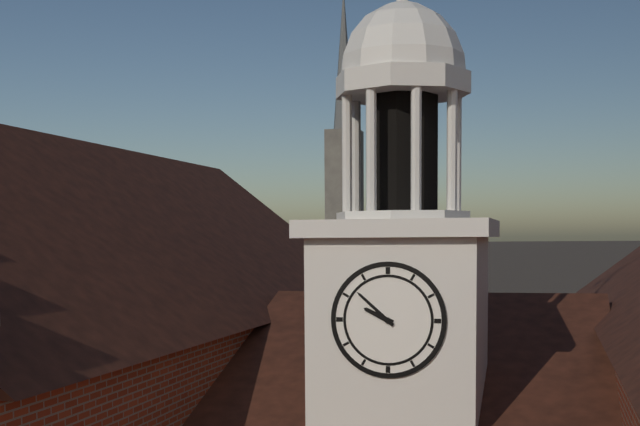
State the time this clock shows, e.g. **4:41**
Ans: **9:52**
